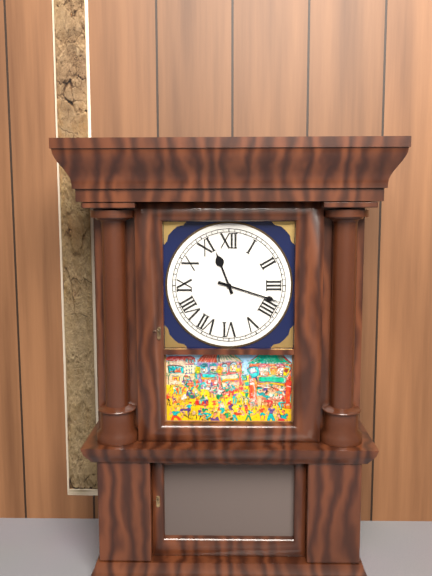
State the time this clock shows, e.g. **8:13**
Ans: **11:18**
